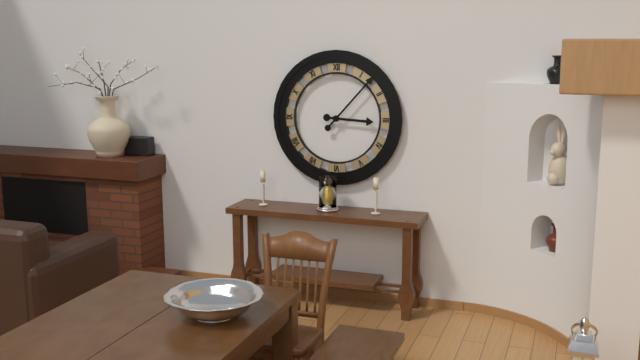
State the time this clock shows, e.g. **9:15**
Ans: **3:07**
